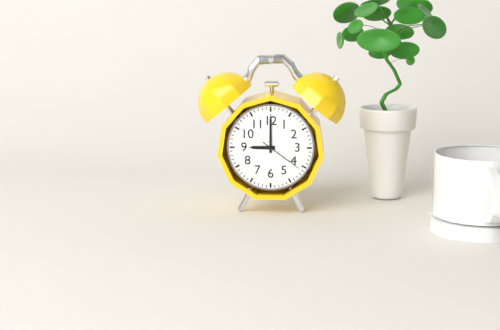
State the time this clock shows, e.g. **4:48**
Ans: **9:00**
